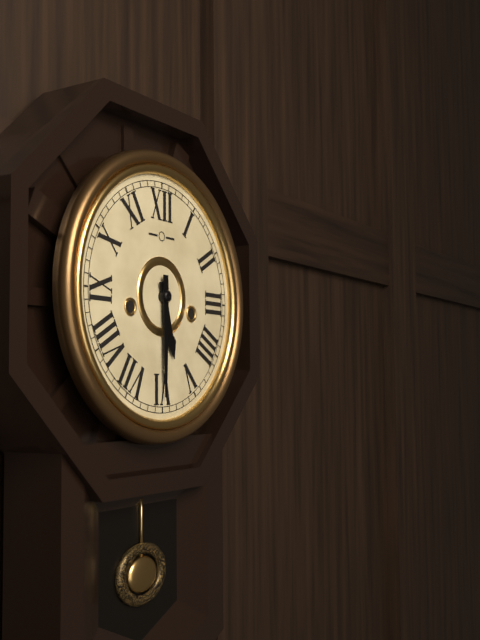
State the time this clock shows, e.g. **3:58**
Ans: **5:30**
